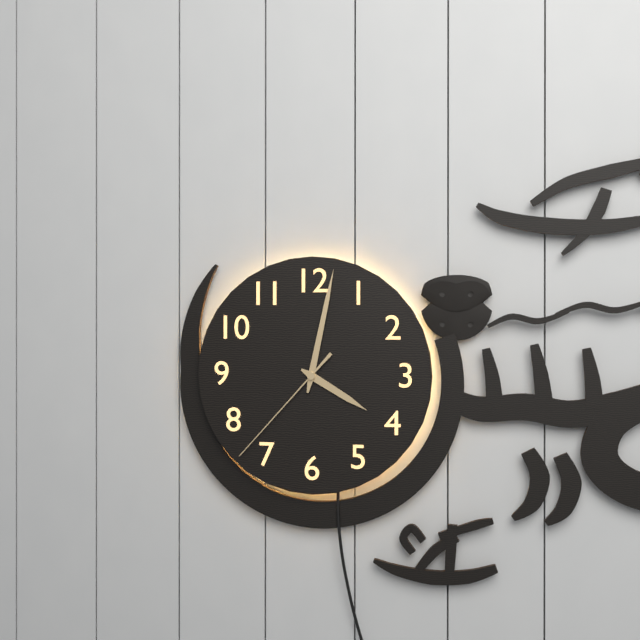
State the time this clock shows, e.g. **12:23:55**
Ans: **4:02:37**
